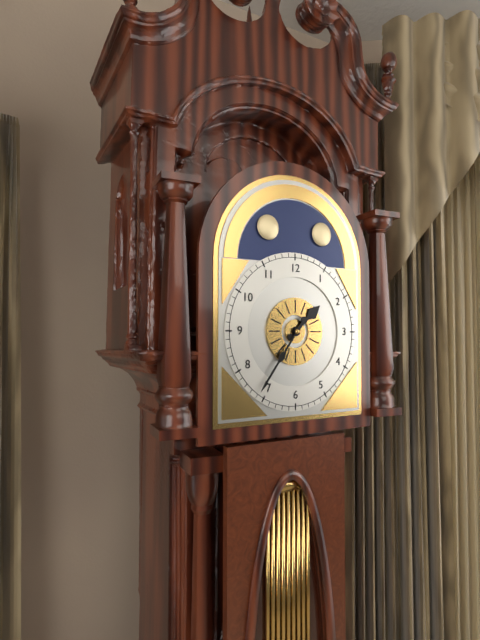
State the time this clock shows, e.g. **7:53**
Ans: **1:36**
